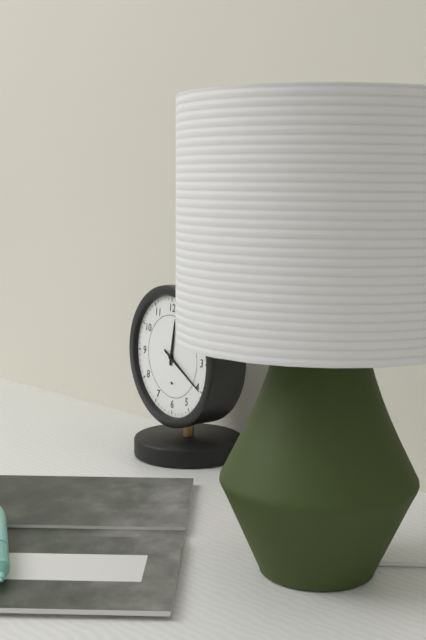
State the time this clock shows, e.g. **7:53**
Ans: **12:20**
